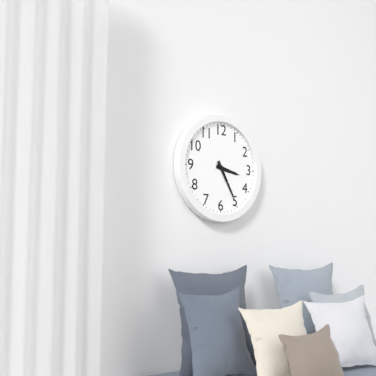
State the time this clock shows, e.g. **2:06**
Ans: **3:25**
